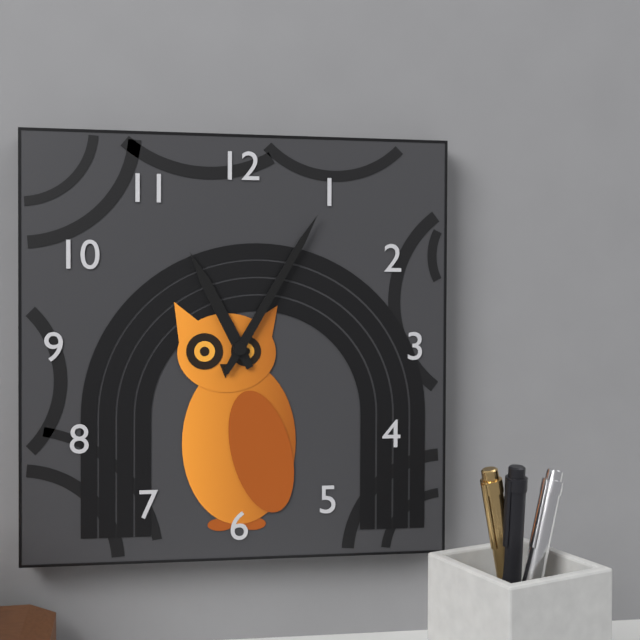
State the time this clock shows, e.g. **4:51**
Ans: **11:05**
